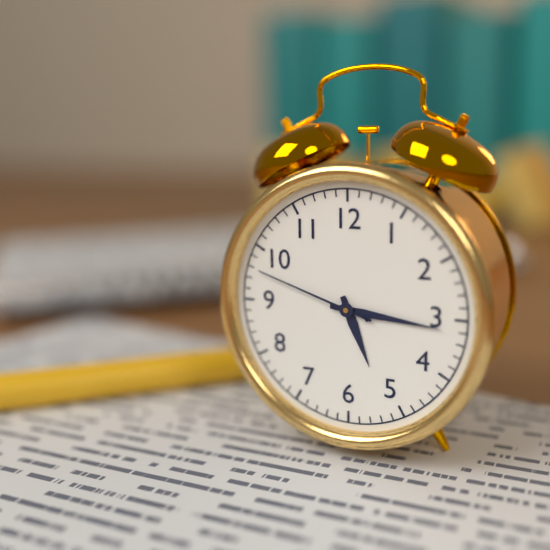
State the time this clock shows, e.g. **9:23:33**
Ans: **5:16:48**
